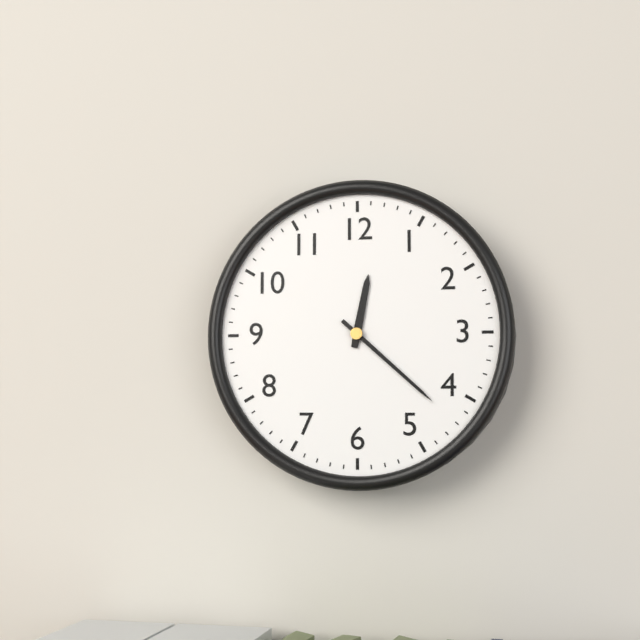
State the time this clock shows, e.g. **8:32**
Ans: **12:22**
